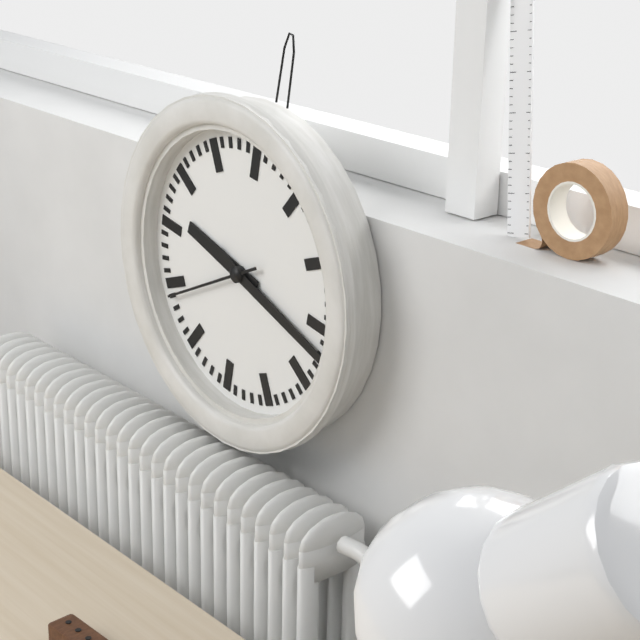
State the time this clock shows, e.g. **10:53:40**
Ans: **9:17:39**
